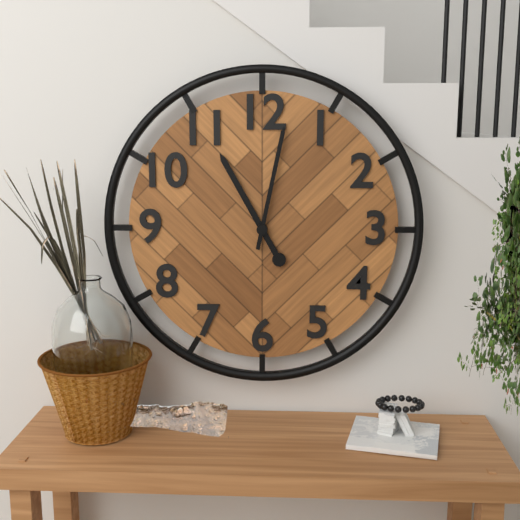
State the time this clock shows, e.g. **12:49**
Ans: **11:02**
